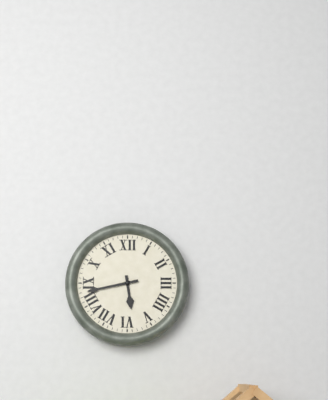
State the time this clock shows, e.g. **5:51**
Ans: **5:43**
